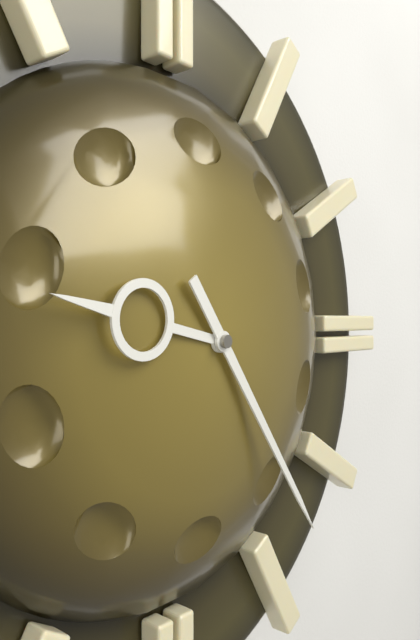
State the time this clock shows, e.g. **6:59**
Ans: **9:24**
